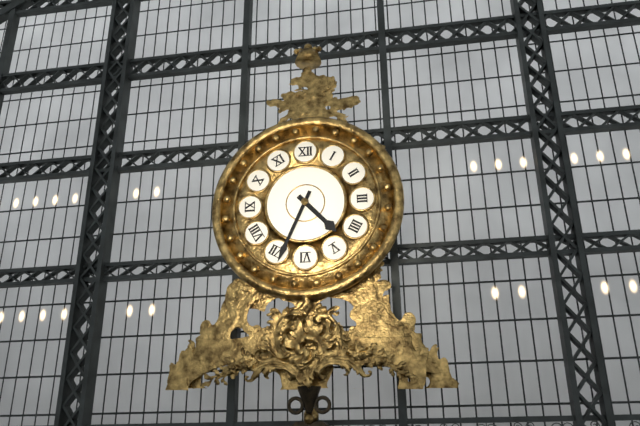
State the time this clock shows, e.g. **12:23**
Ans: **4:34**
